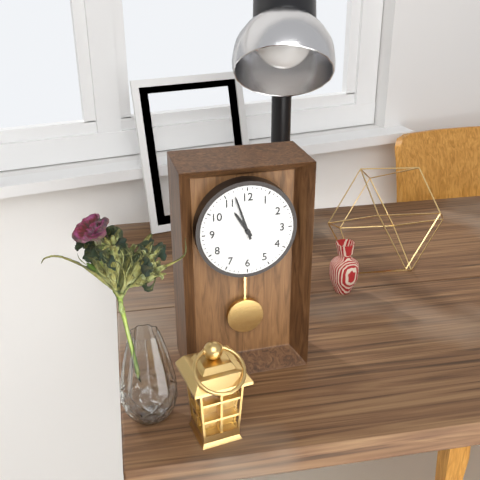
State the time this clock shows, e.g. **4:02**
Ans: **10:57**
